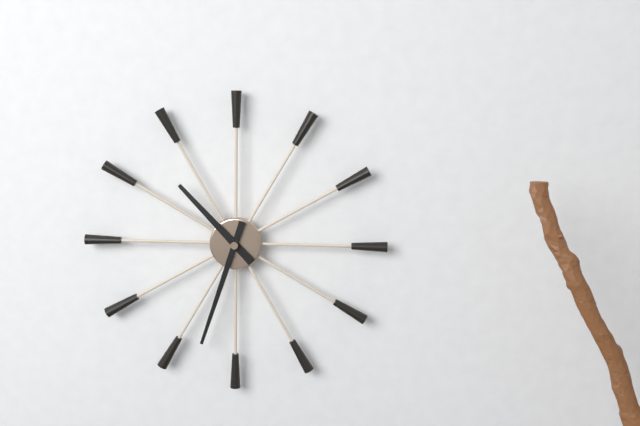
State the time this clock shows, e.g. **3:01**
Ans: **10:33**
